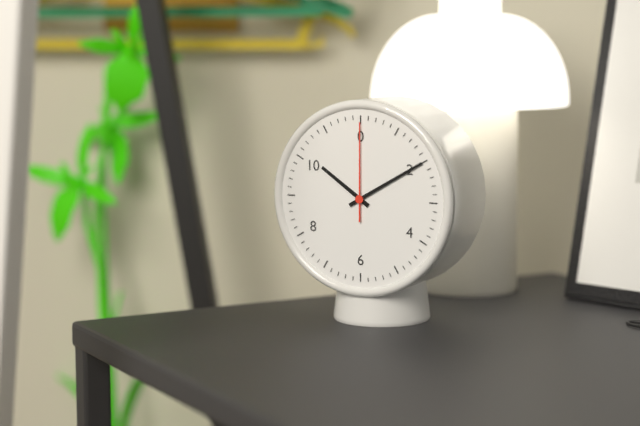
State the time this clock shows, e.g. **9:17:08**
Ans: **10:10:00**
